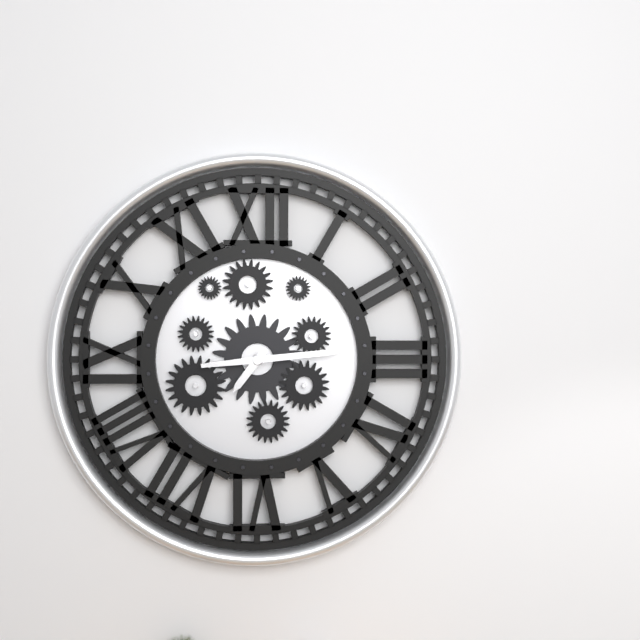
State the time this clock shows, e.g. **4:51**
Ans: **7:14**
